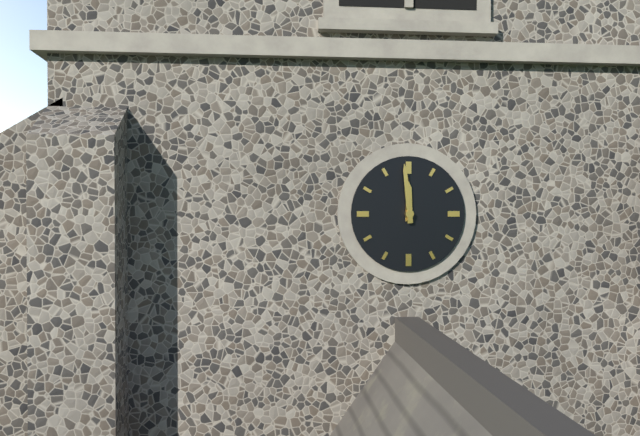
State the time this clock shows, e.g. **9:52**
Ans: **11:59**
